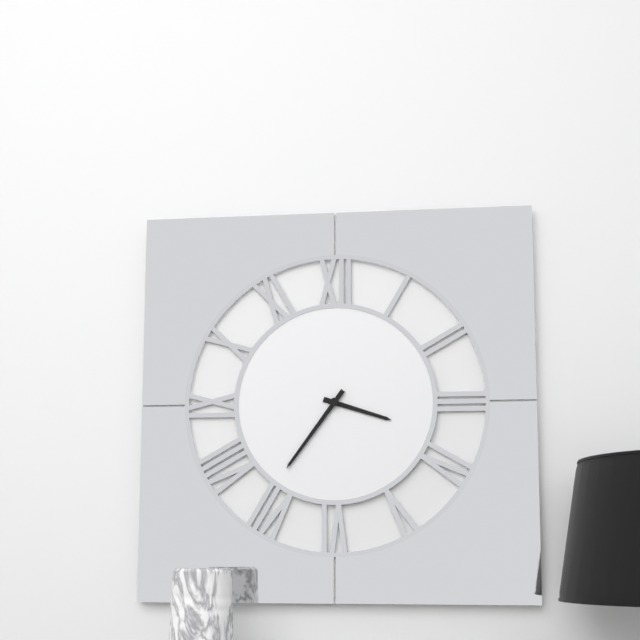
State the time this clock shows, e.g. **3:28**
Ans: **3:36**
